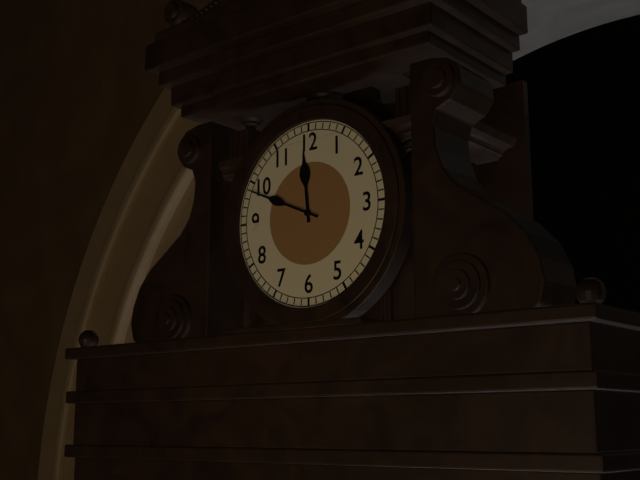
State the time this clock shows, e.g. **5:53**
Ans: **11:49**
